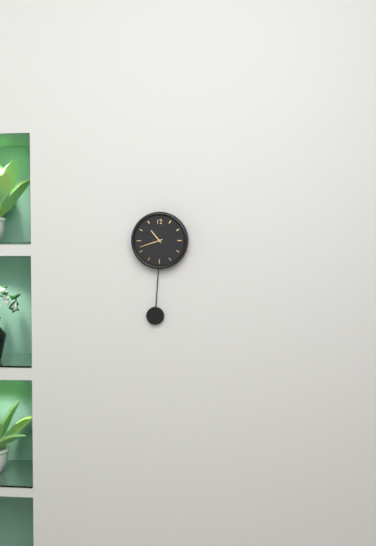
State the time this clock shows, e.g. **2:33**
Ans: **10:42**
